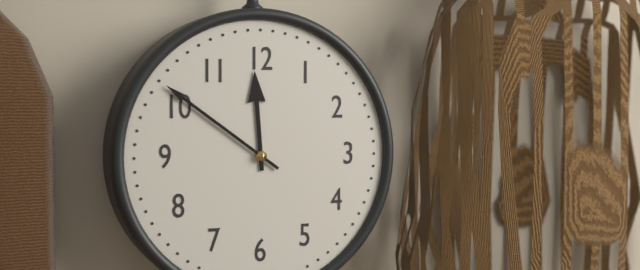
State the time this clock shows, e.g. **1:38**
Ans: **11:51**
